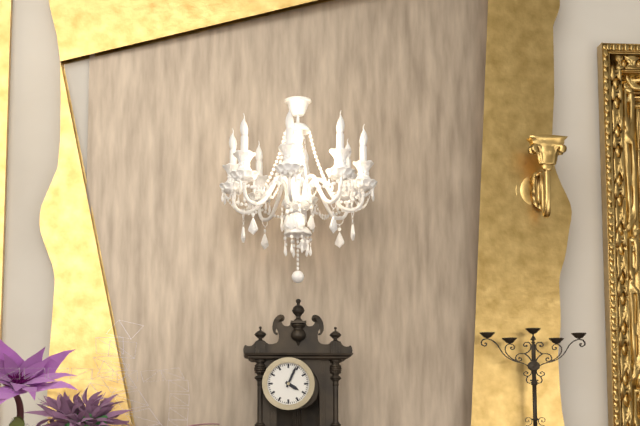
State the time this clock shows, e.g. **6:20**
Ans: **4:04**
